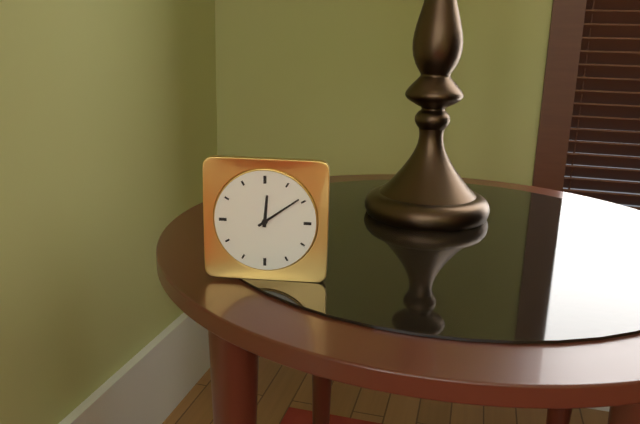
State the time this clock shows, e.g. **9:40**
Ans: **12:09**
